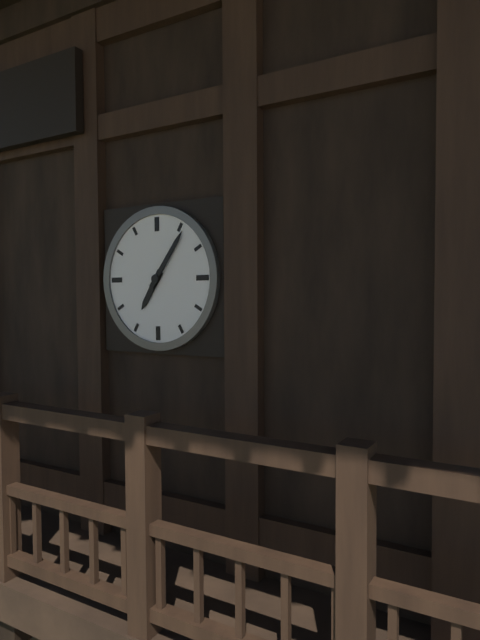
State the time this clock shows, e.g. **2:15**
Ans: **7:06**
